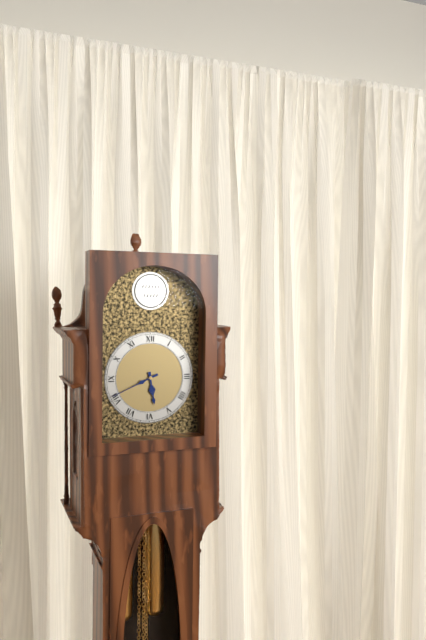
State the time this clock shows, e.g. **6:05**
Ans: **5:41**
